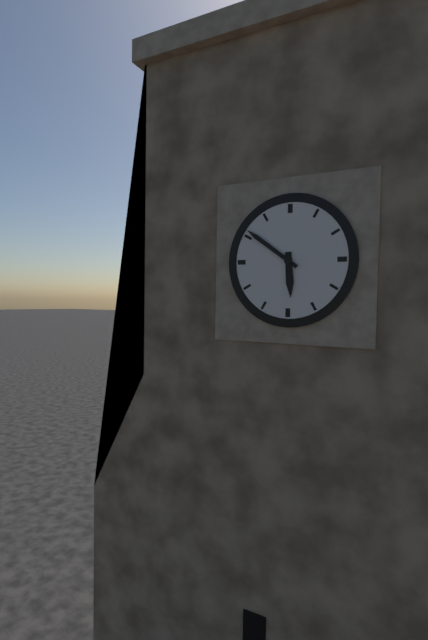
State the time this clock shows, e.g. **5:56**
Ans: **5:51**
